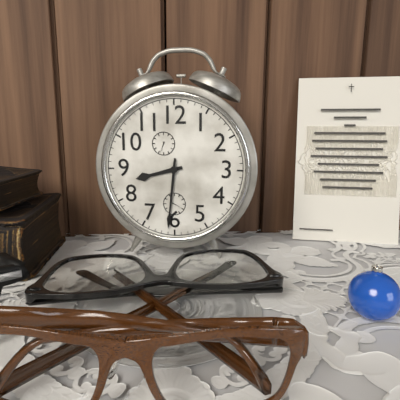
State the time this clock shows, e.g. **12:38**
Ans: **8:31**
